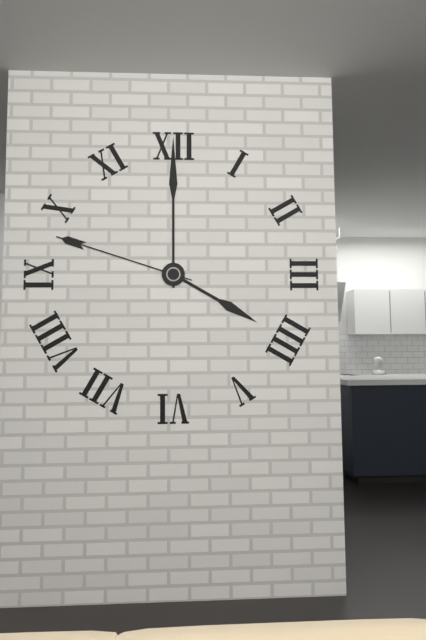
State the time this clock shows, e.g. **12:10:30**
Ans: **4:00:48**
